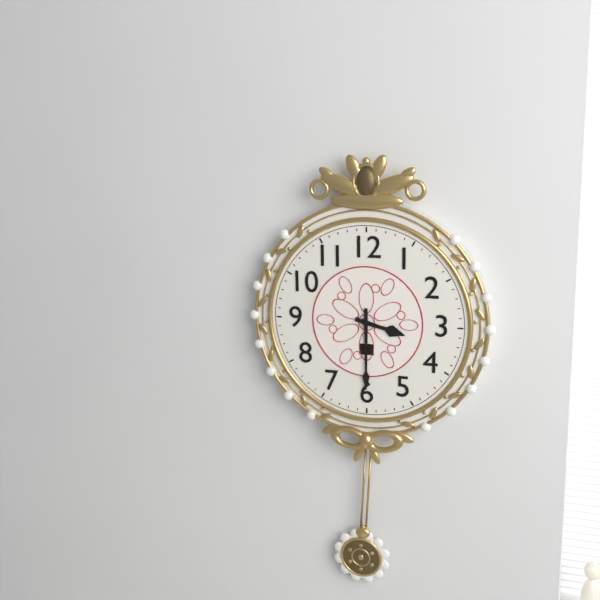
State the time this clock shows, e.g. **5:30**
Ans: **3:30**
